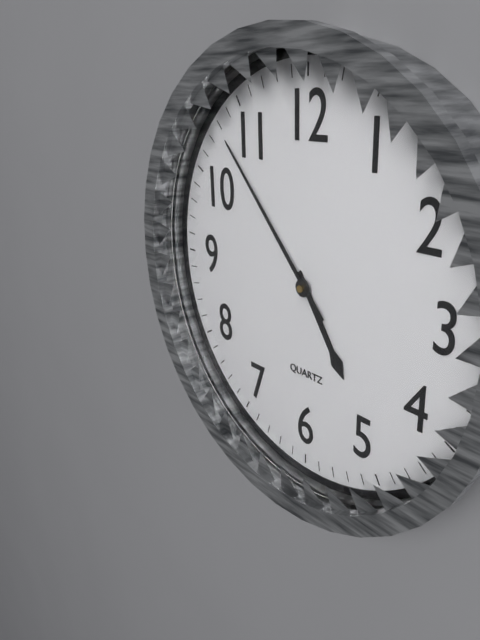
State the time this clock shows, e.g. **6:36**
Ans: **4:53**
